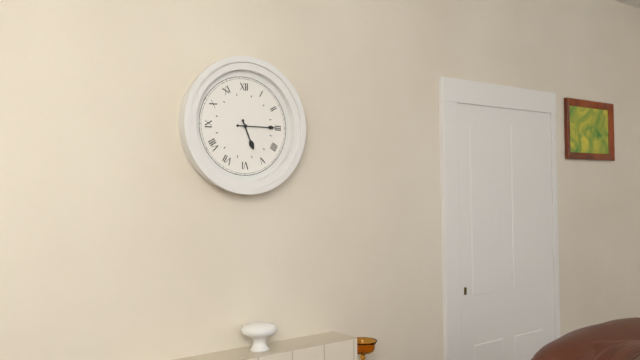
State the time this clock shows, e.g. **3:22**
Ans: **5:15**
